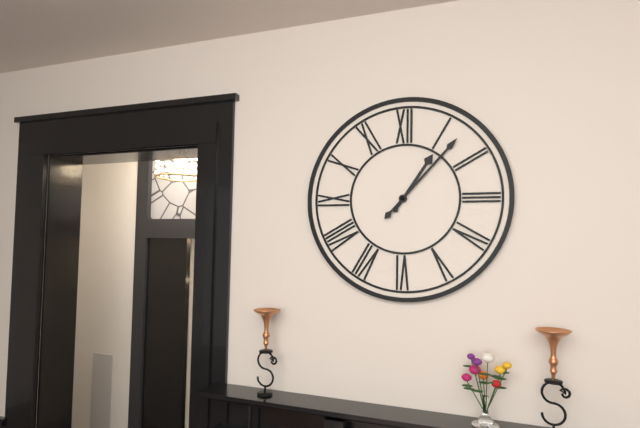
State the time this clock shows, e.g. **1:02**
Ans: **1:07**
